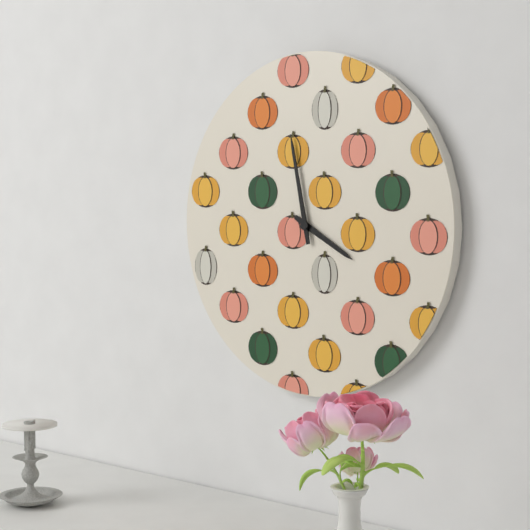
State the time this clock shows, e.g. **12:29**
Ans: **3:58**
